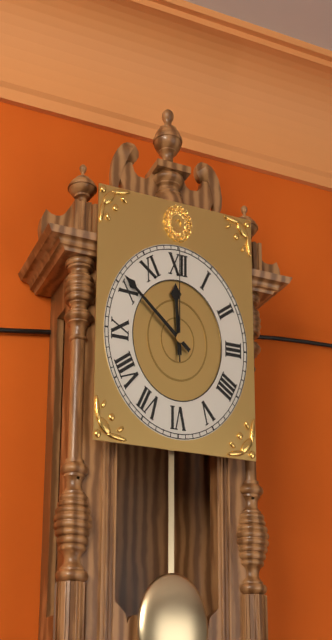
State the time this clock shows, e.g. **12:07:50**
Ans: **11:51:00**
